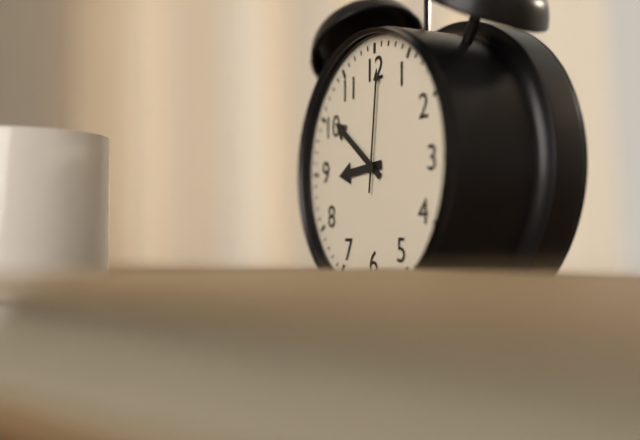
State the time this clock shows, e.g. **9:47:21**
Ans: **8:51:01**
